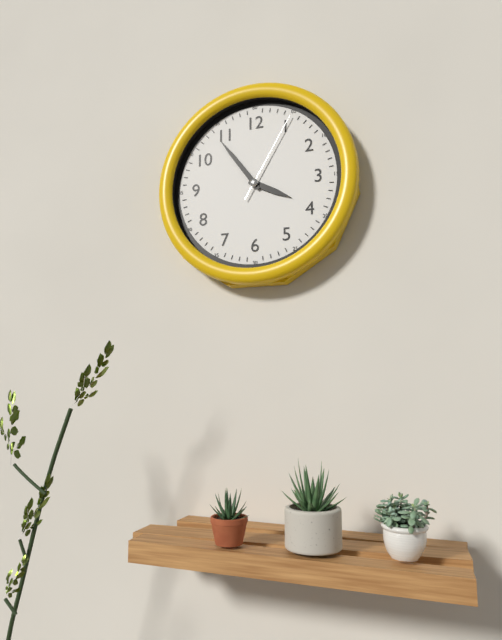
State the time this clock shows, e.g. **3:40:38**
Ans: **3:54:05**
